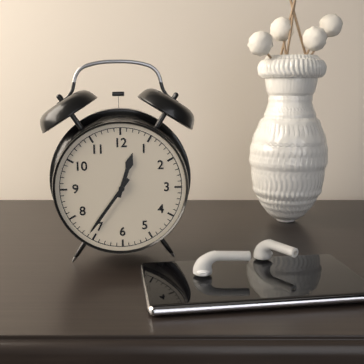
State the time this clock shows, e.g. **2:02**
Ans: **12:36**
